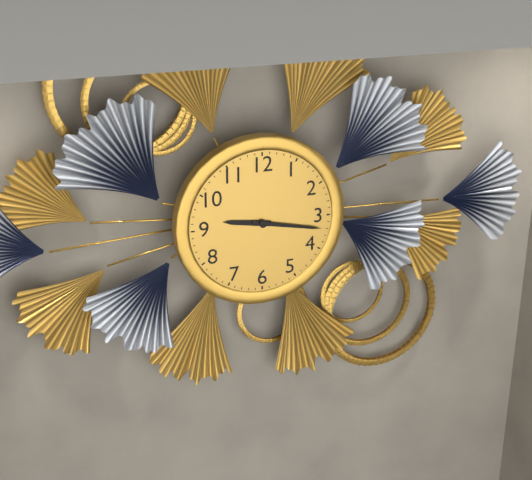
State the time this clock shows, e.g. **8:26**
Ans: **9:17**
